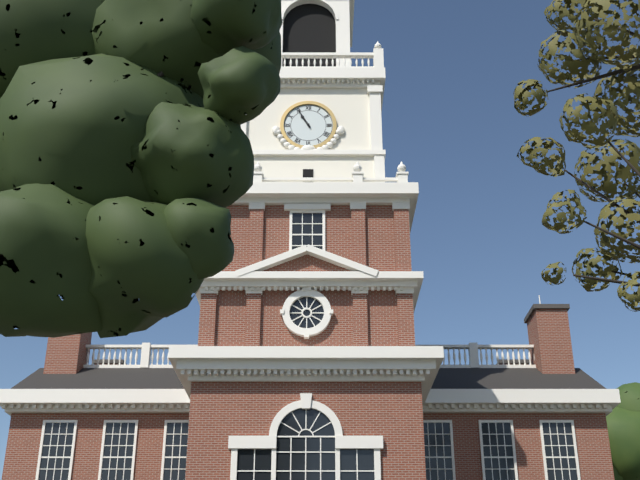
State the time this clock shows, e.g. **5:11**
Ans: **10:55**
